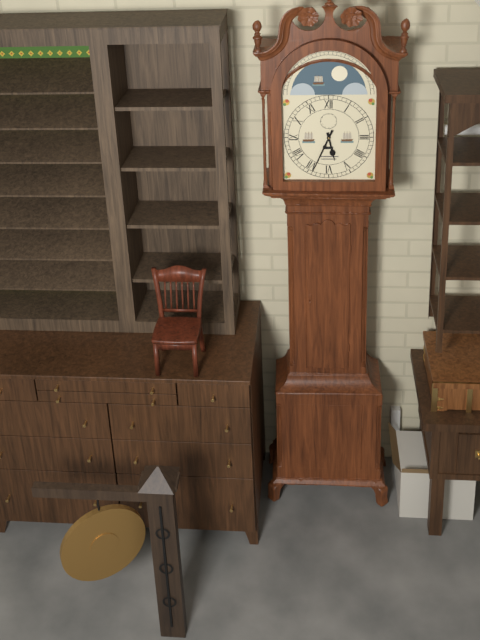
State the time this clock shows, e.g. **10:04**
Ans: **5:34**
